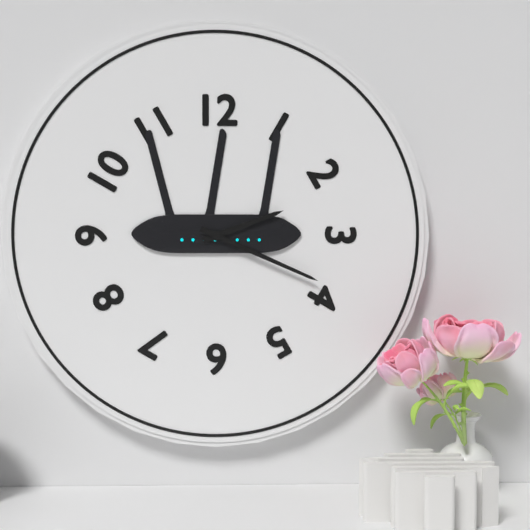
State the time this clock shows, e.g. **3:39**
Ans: **2:19**
